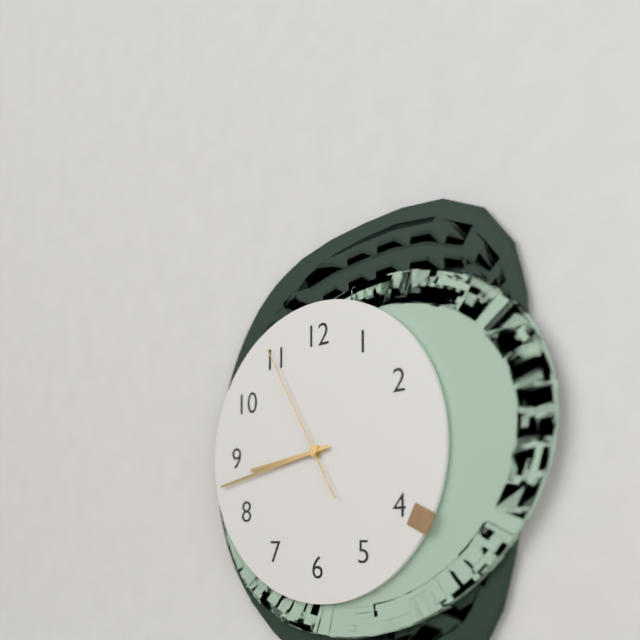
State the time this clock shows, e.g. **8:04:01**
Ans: **8:43:55**
